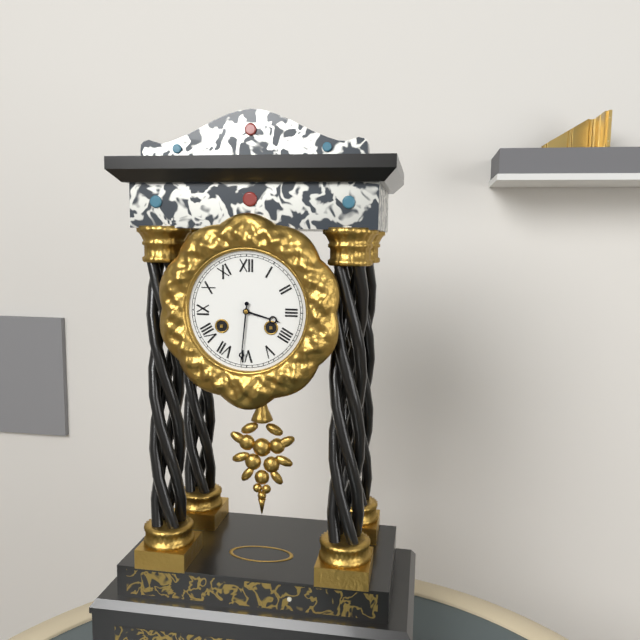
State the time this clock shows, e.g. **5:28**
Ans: **3:31**
